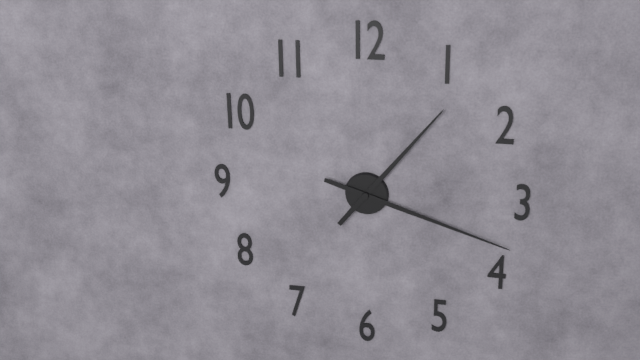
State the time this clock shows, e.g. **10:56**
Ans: **1:18**
